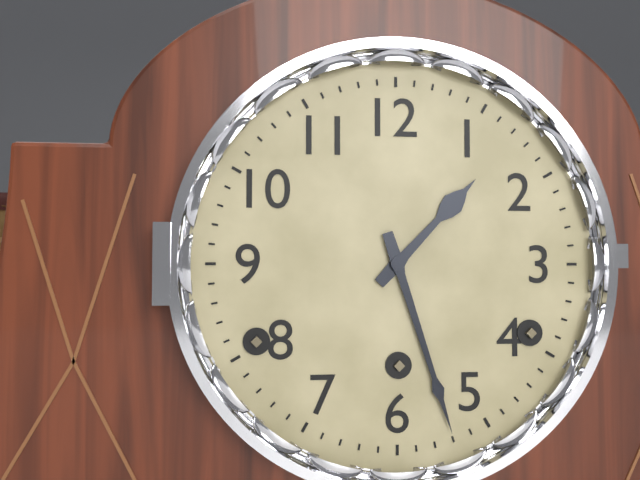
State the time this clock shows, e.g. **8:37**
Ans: **1:27**
